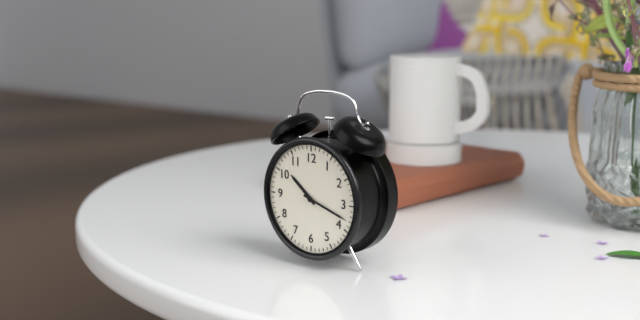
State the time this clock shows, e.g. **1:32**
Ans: **10:18**
